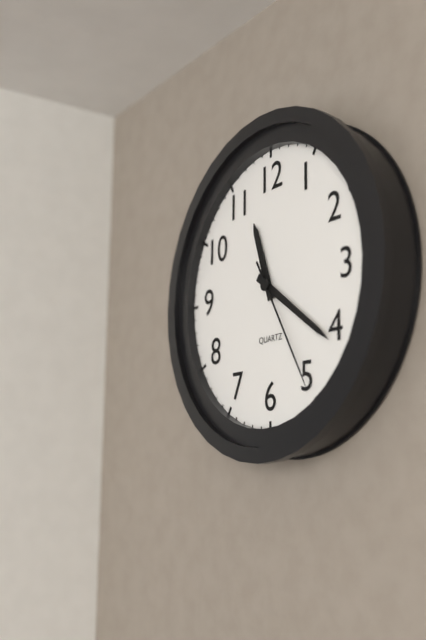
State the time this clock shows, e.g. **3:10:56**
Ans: **11:21:25**
